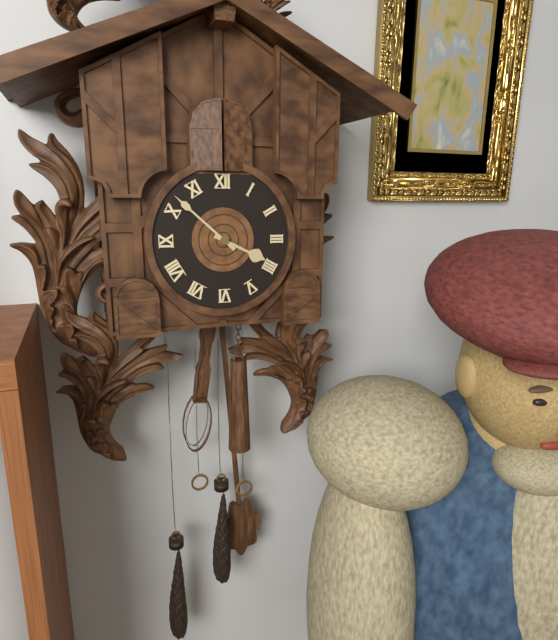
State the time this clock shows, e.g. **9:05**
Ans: **3:52**
